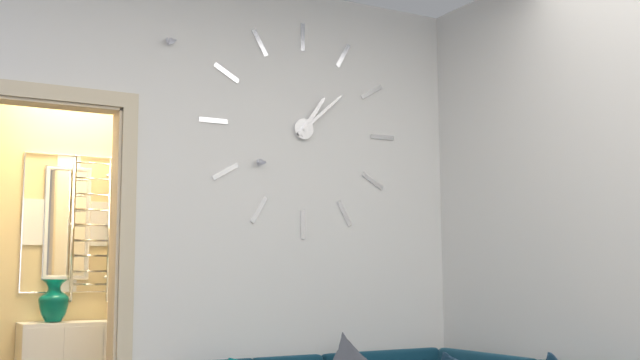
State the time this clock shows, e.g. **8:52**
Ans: **1:08**
